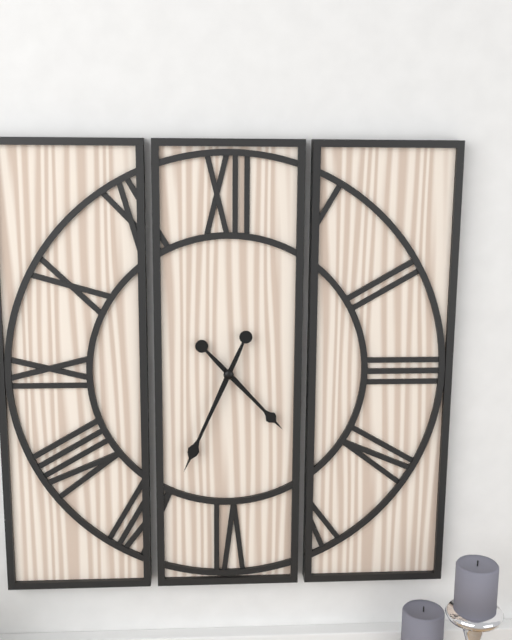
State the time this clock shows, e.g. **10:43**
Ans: **4:34**
